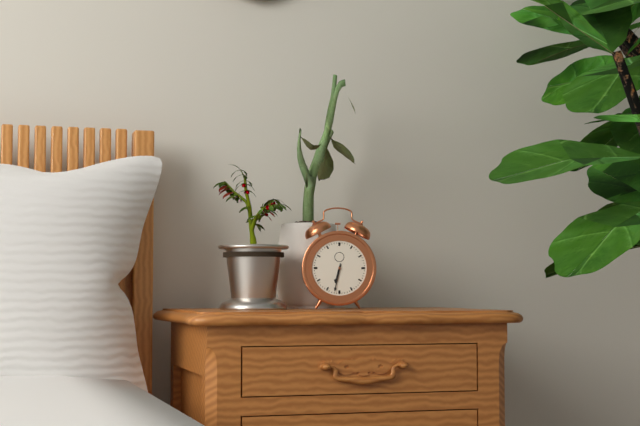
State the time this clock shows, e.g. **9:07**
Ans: **6:32**
